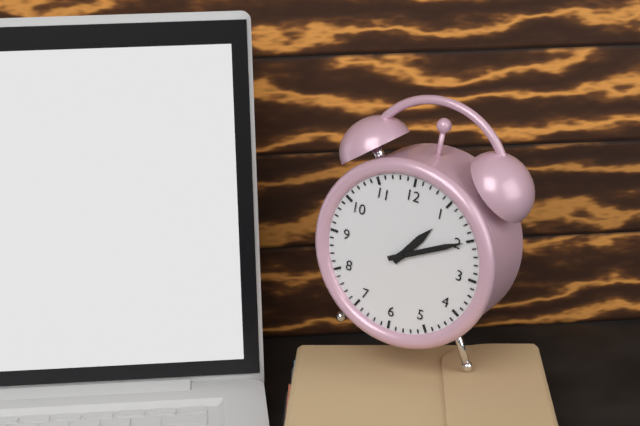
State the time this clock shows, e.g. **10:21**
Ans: **1:10**
